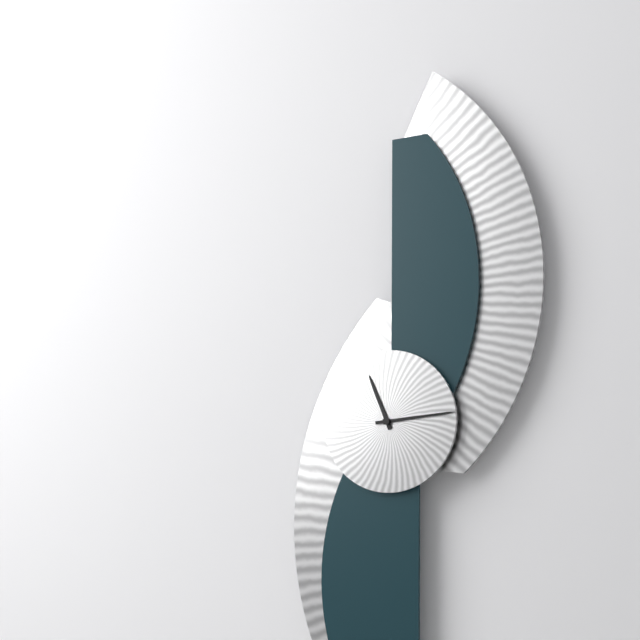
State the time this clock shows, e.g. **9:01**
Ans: **11:14**
